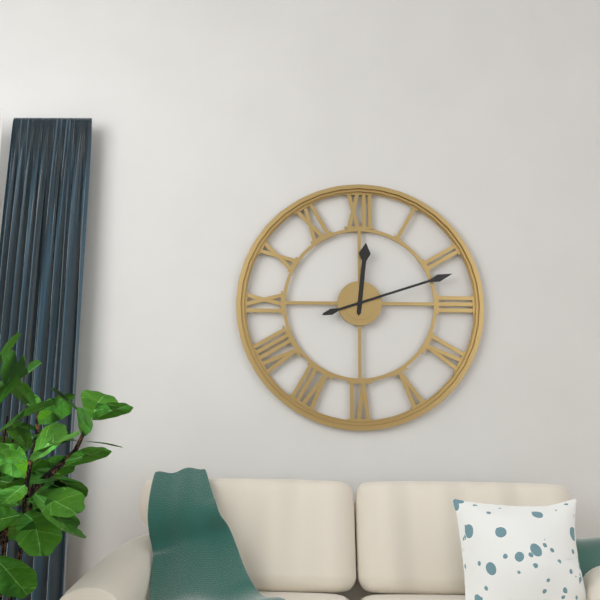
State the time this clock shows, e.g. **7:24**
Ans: **12:12**
